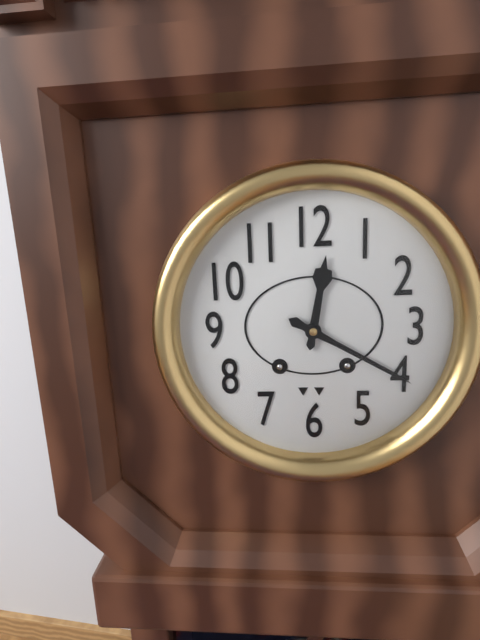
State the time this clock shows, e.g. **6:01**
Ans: **12:20**
